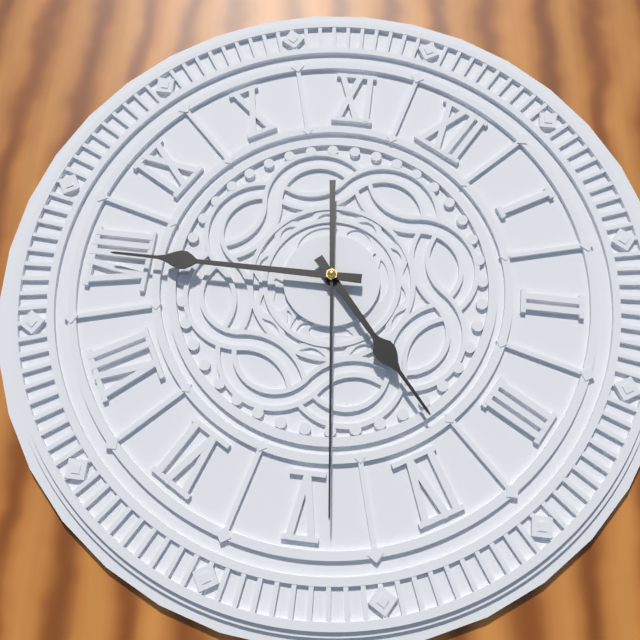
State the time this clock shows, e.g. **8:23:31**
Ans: **3:40:24**
